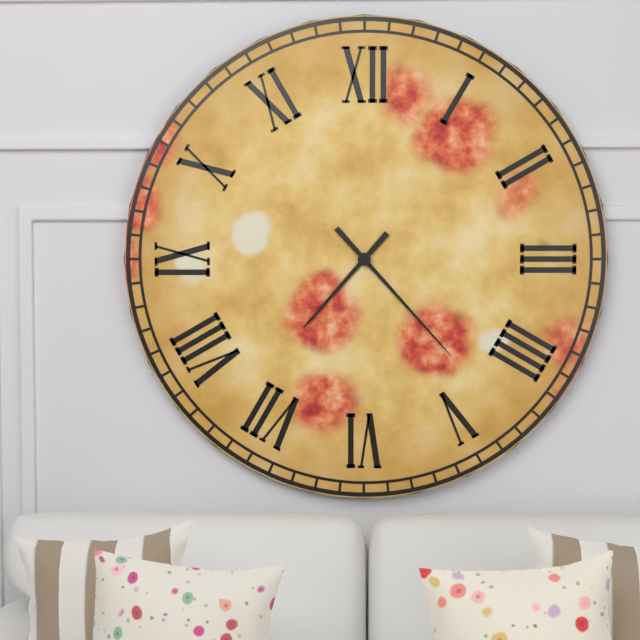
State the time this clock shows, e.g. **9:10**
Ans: **7:23**
